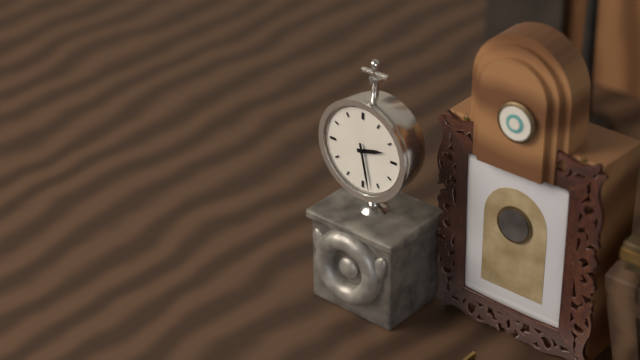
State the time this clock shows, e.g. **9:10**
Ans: **2:28**
